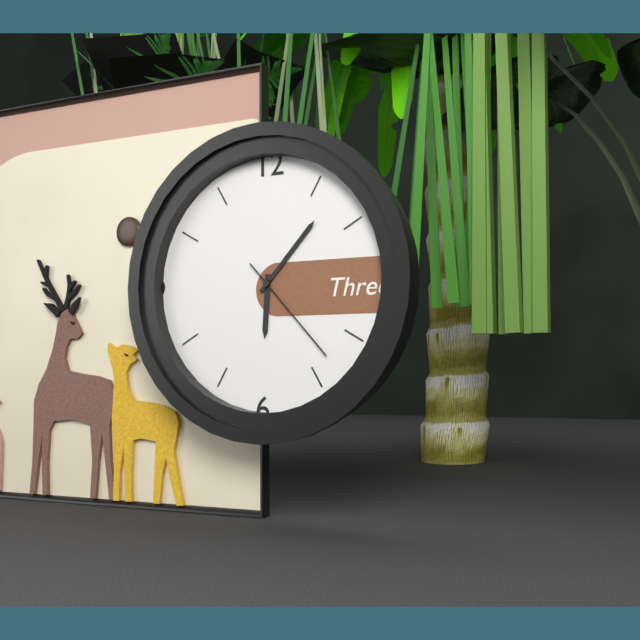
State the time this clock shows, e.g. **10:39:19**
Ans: **6:07:23**
